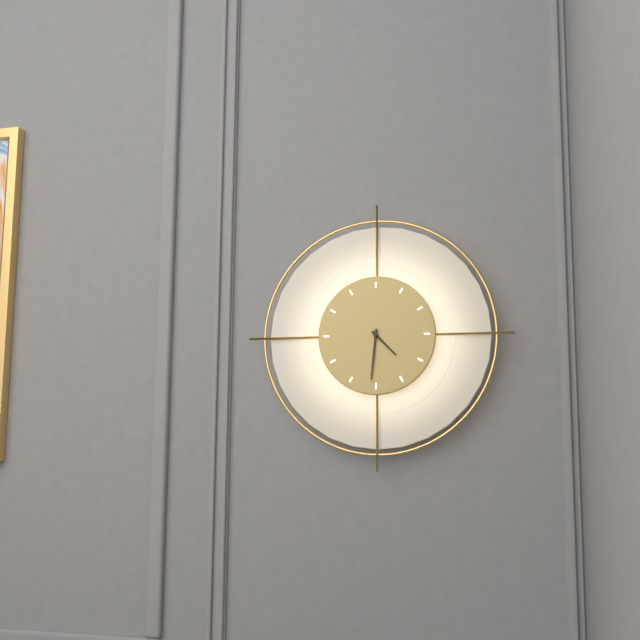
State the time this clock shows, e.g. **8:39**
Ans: **4:31**
